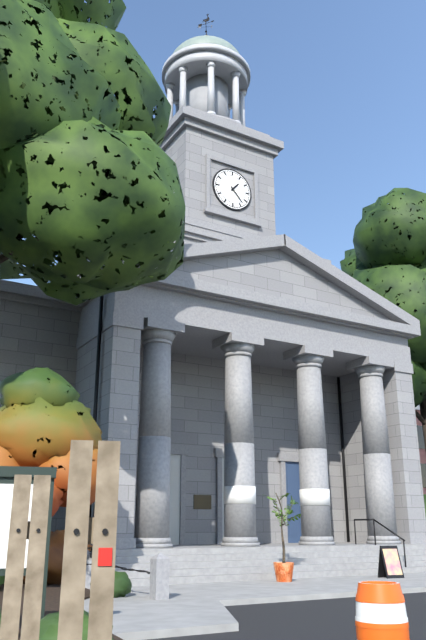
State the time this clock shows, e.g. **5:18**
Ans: **1:23**
